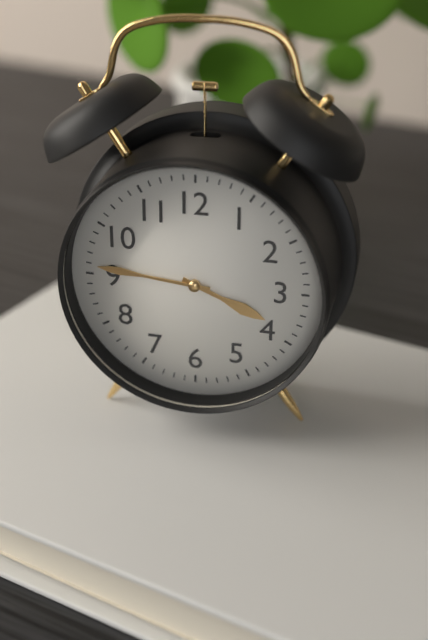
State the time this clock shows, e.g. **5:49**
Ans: **3:46**
